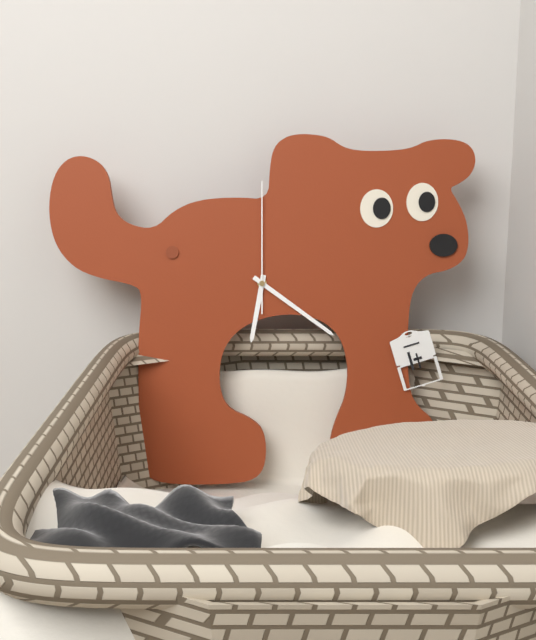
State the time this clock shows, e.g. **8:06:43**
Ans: **6:21:00**
